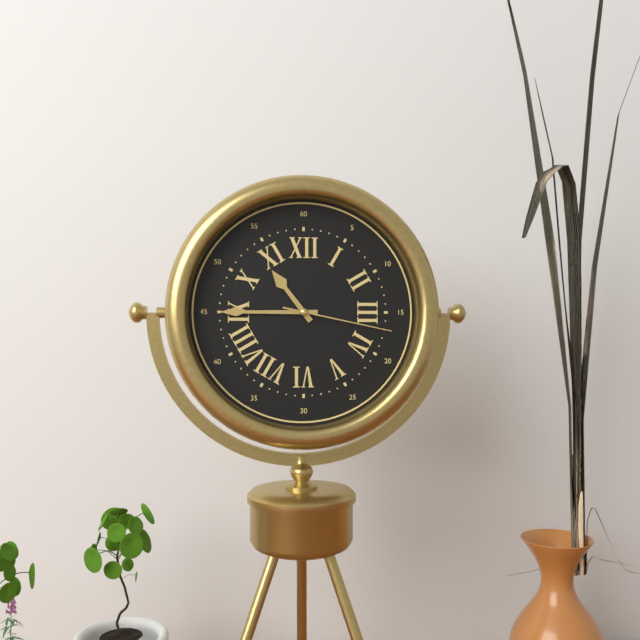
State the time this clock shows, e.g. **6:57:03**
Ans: **10:45:17**
